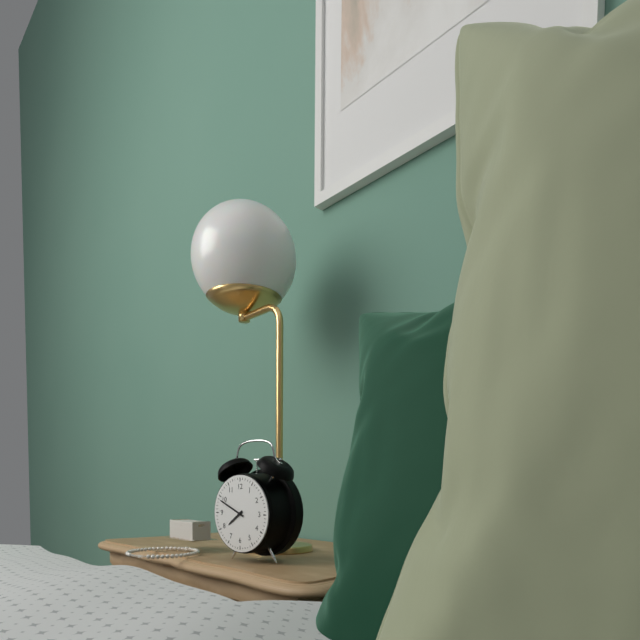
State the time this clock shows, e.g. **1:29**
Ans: **7:49**
